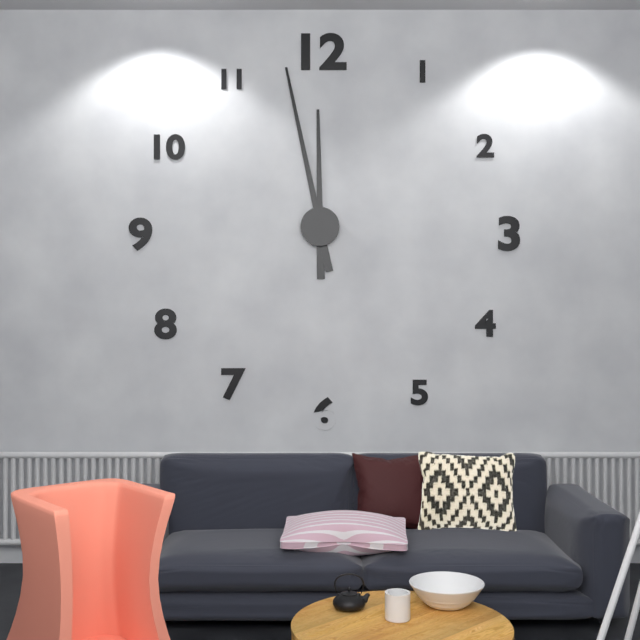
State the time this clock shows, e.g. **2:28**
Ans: **11:58**
